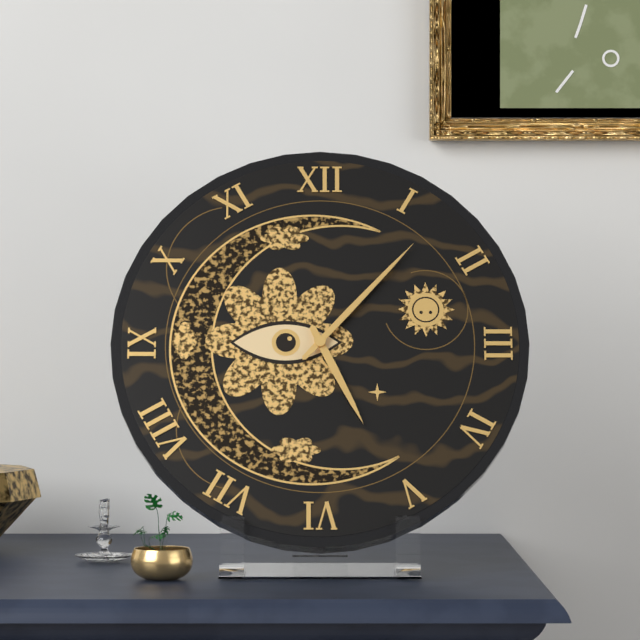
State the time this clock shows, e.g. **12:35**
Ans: **5:07**
